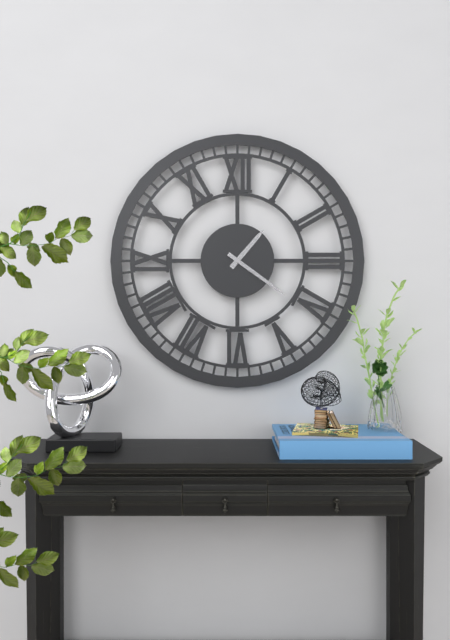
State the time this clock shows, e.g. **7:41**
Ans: **1:21**
